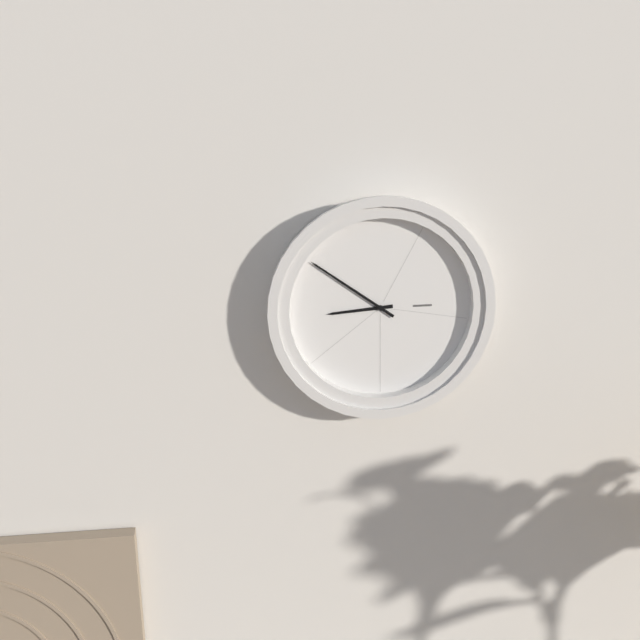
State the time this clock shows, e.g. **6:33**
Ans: **8:51**
